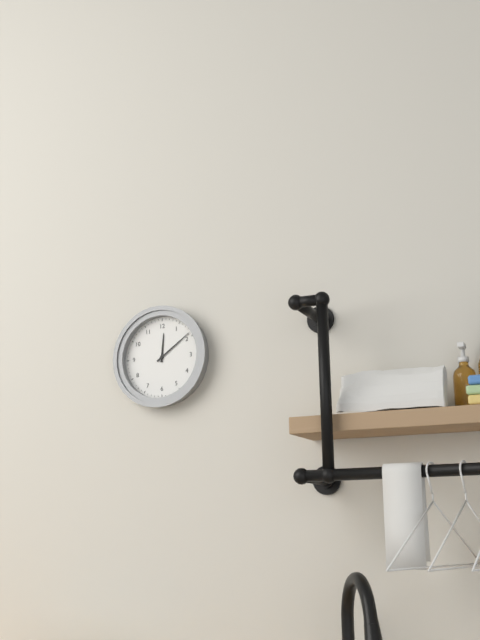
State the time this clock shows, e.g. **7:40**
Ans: **12:09**
